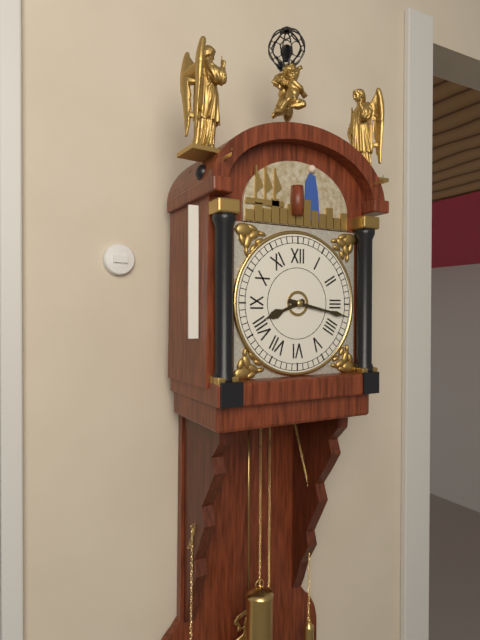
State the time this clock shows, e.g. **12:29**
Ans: **8:17**
